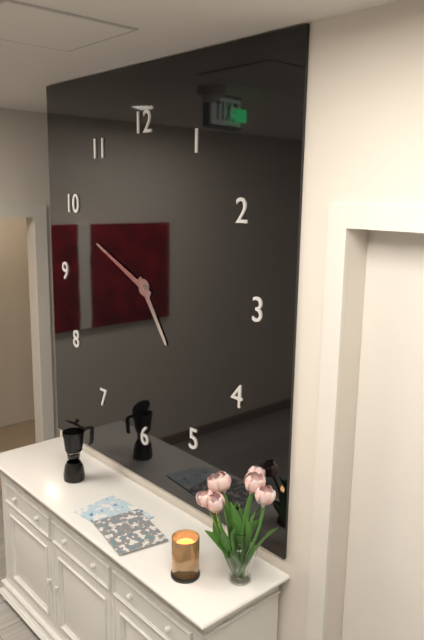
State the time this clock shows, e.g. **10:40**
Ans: **4:49**
